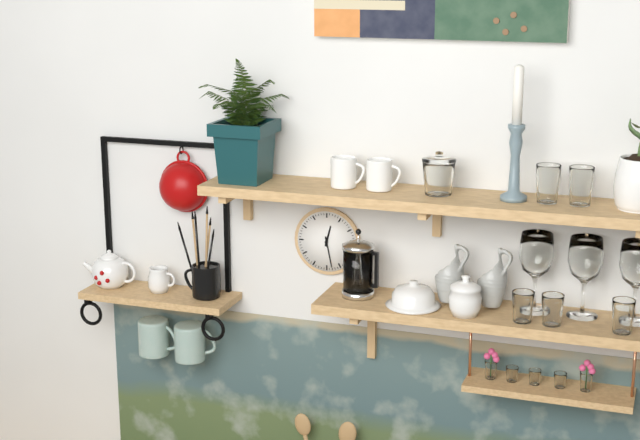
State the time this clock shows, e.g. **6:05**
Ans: **12:28**
